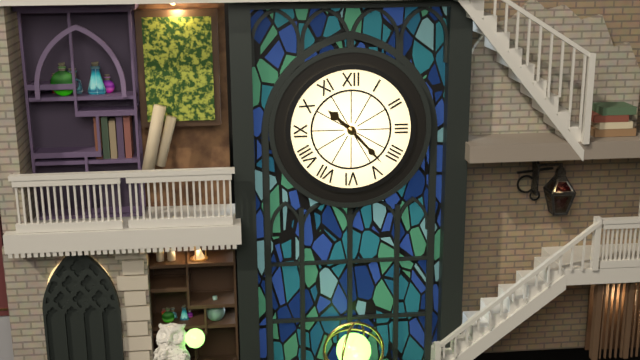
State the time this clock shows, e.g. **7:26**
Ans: **10:23**
